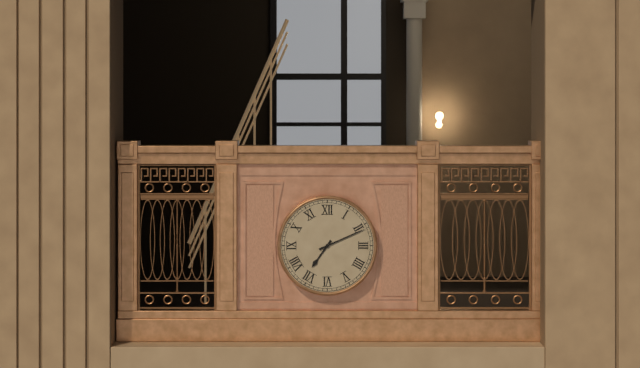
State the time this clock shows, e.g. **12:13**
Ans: **7:11**
